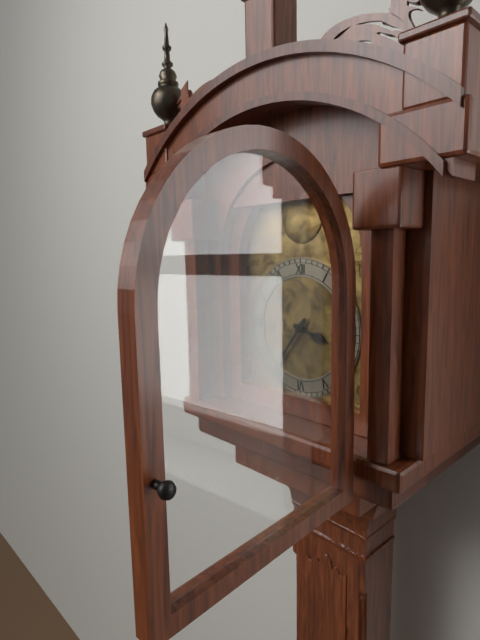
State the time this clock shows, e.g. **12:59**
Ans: **3:36**
